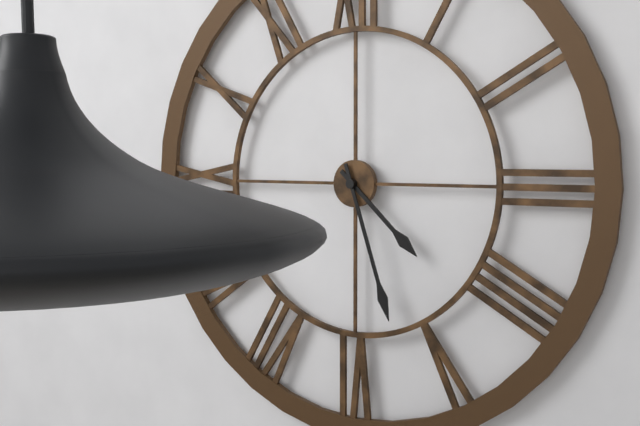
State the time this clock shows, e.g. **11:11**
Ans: **4:27**
